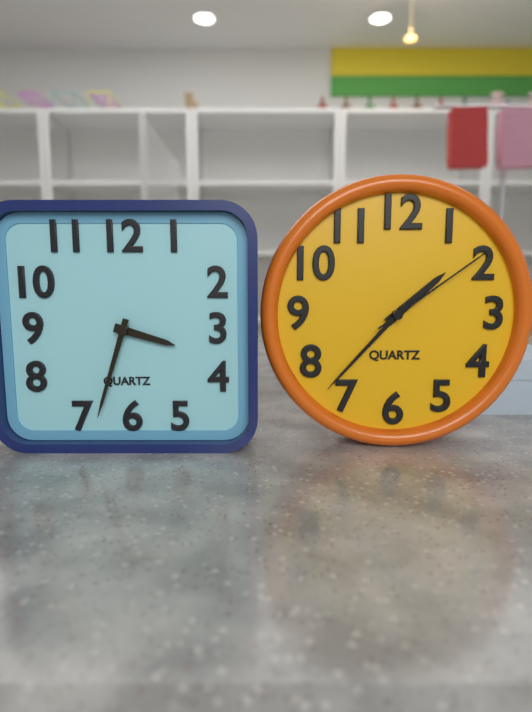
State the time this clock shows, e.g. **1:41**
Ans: **3:33**
